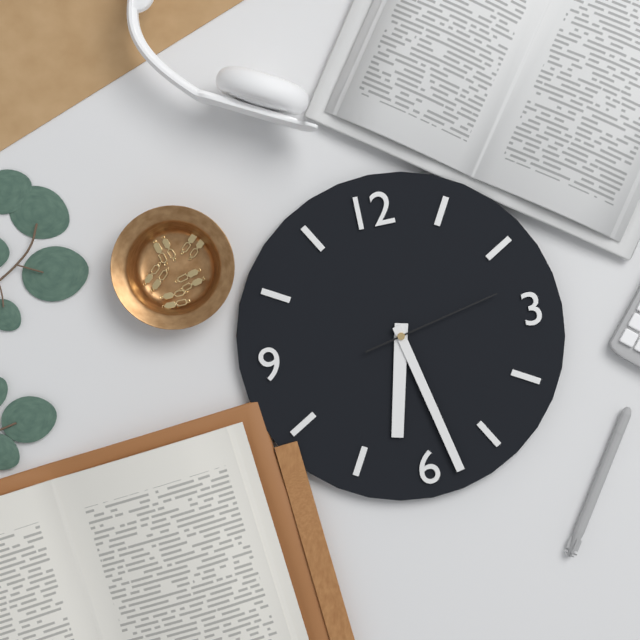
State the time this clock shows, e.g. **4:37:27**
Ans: **6:28:13**
